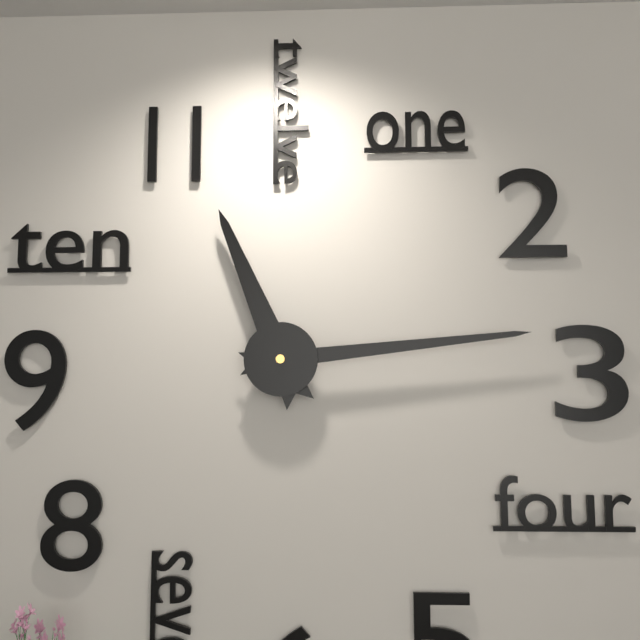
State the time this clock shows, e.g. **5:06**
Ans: **11:14**
